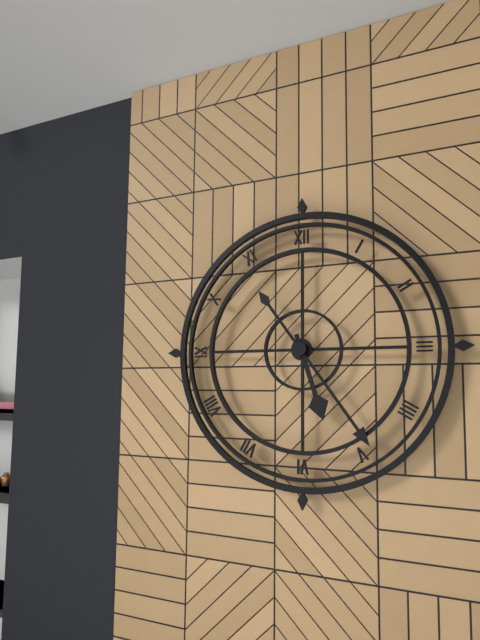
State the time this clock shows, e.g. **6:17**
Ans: **5:24**
